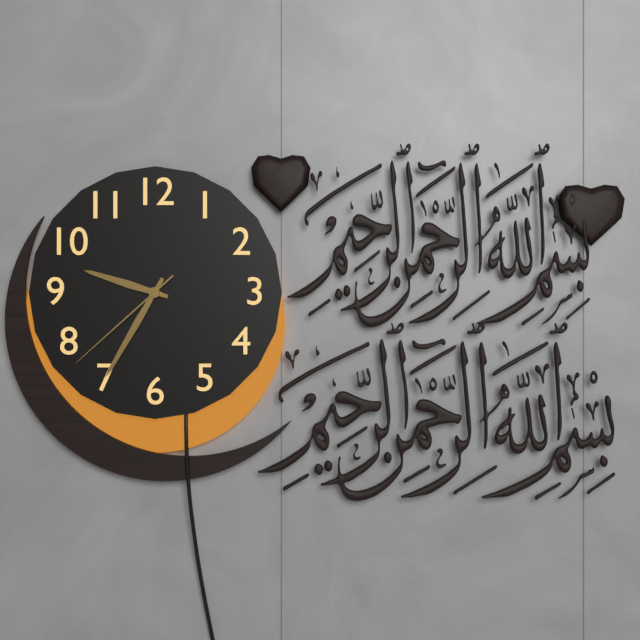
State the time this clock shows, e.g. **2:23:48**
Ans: **9:35:38**
